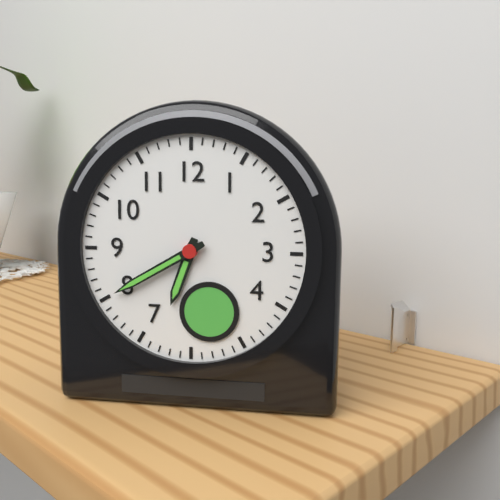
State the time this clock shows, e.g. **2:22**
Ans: **6:40**
